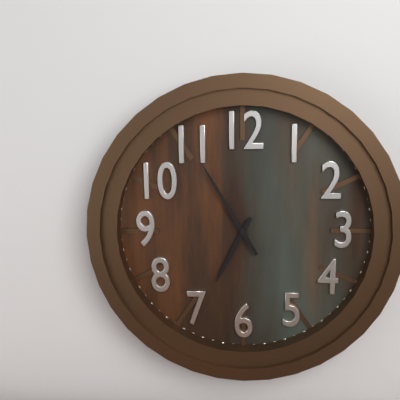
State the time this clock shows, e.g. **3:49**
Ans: **6:55**
